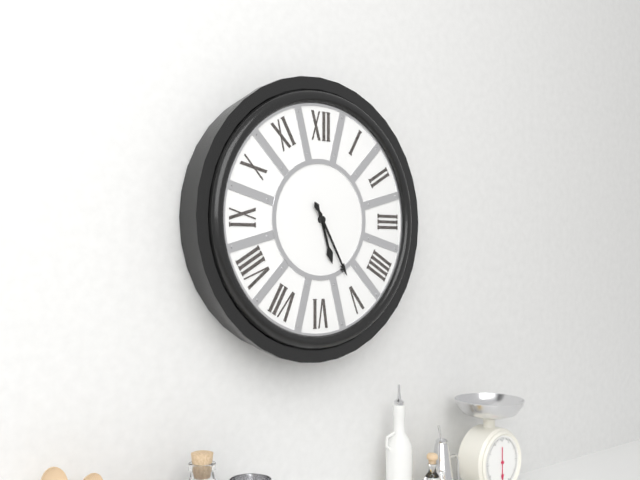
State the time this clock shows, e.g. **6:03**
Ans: **5:25**
